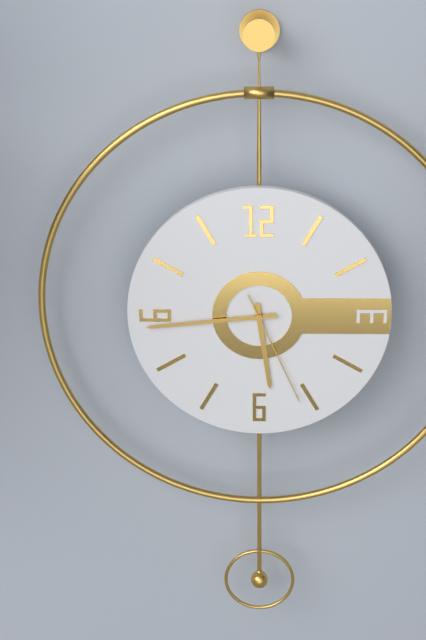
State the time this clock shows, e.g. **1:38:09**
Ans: **5:44:26**
